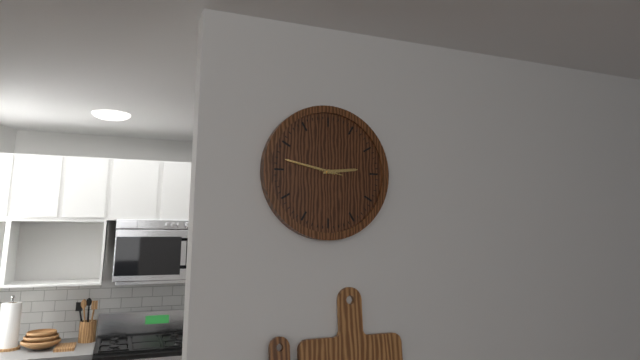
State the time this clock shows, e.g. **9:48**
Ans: **2:47**
